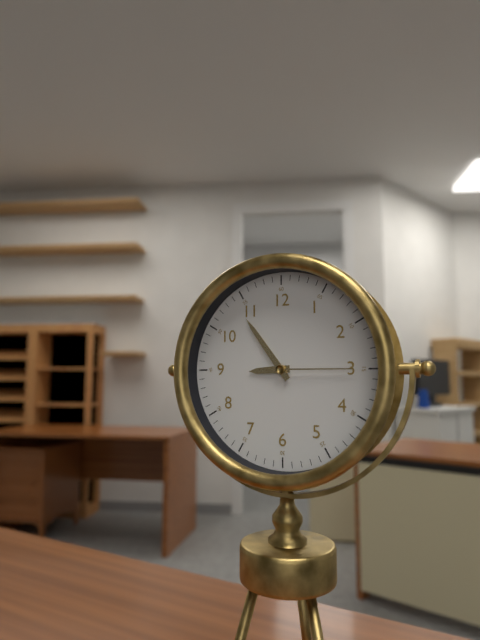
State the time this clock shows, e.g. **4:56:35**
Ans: **8:54:15**
